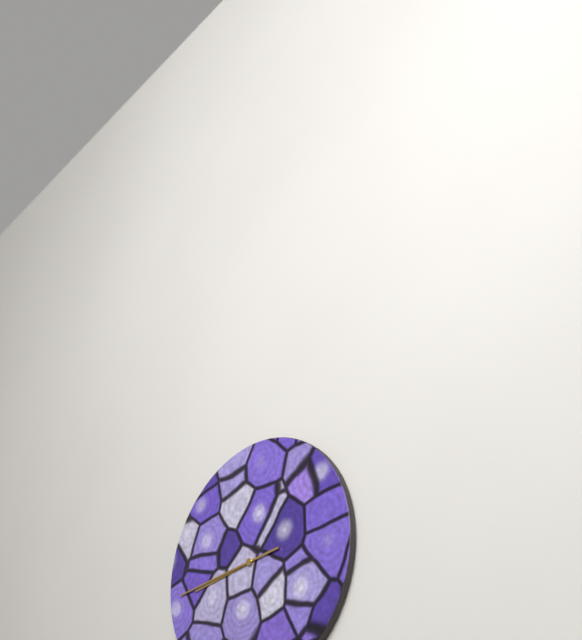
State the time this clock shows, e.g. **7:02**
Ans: **8:44**
